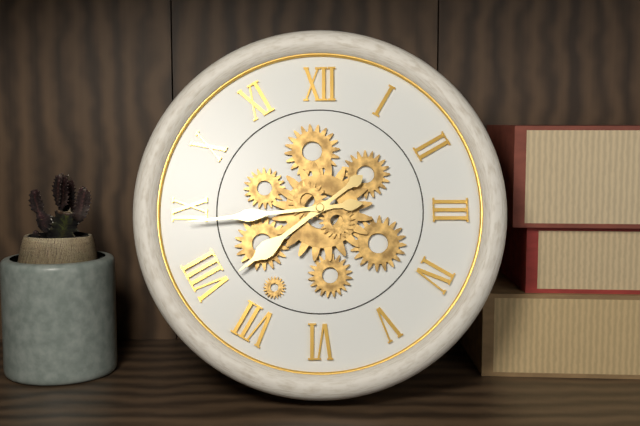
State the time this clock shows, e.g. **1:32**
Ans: **7:44**
